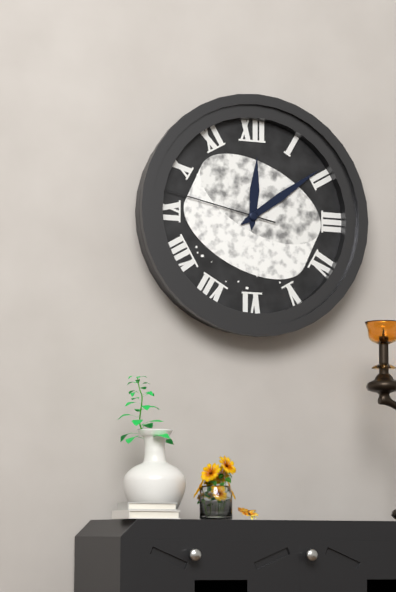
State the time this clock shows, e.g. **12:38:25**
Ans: **12:09:47**
